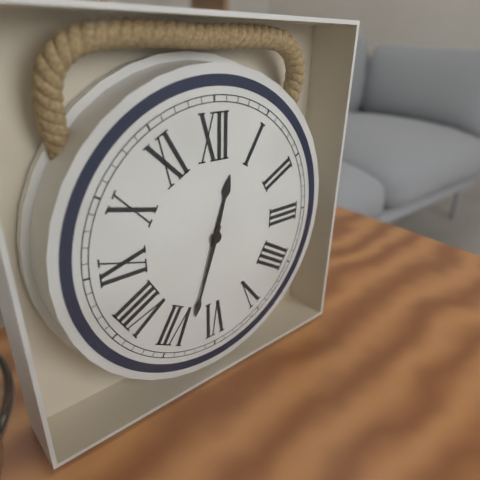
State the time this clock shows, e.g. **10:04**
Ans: **12:33**
